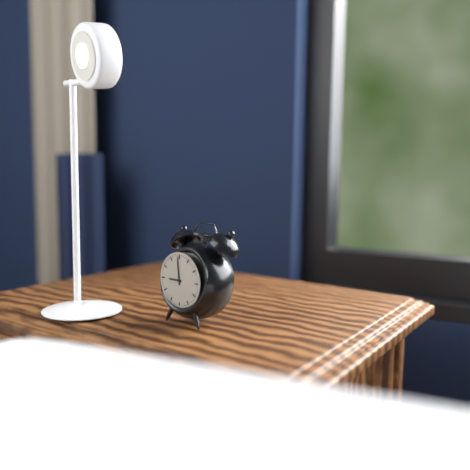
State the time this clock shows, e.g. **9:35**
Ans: **8:59**
